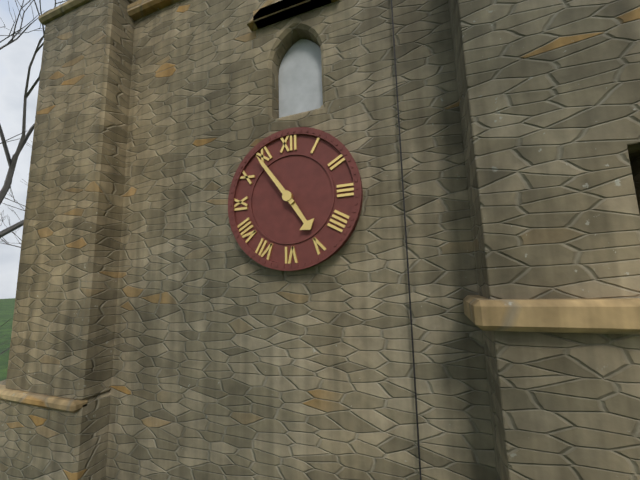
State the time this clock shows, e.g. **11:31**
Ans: **4:54**
